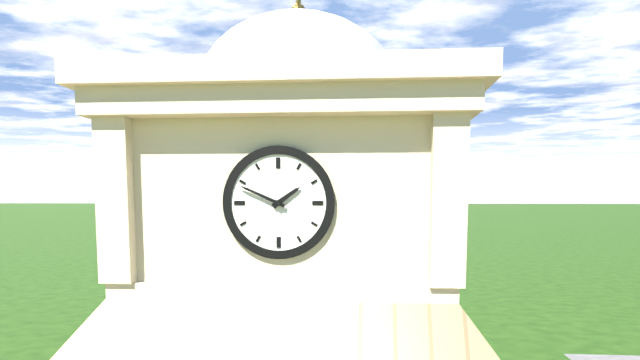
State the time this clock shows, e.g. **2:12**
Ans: **1:49**
